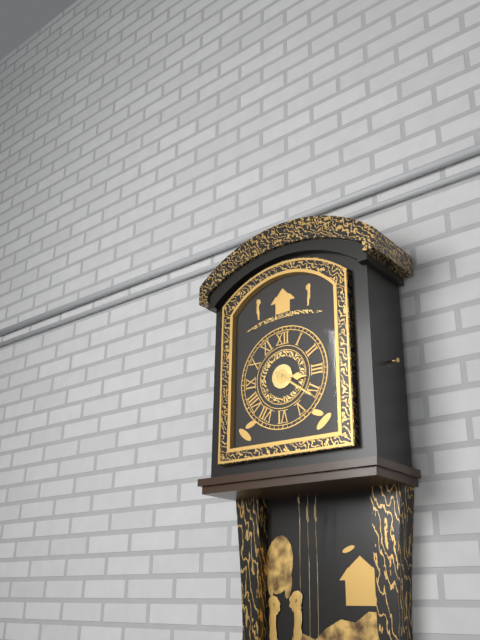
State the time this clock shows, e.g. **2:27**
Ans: **3:21**
